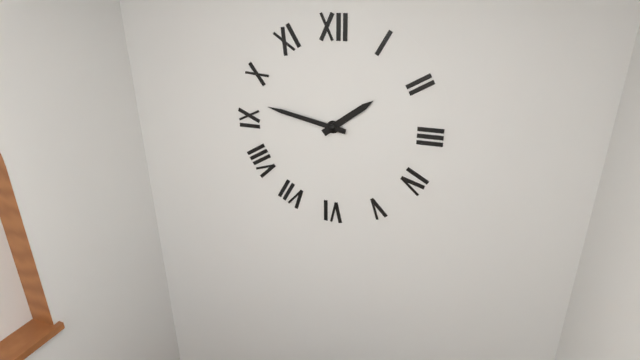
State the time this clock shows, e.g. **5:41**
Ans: **1:47**
